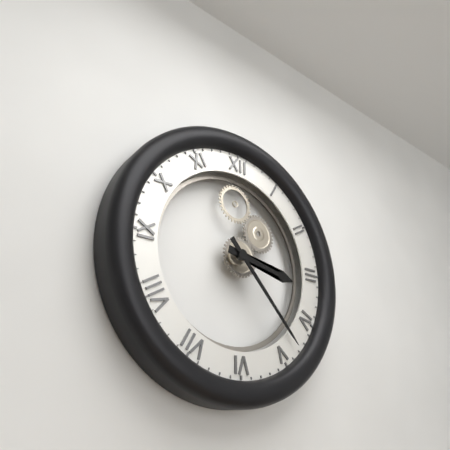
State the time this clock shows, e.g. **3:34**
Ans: **3:23**
